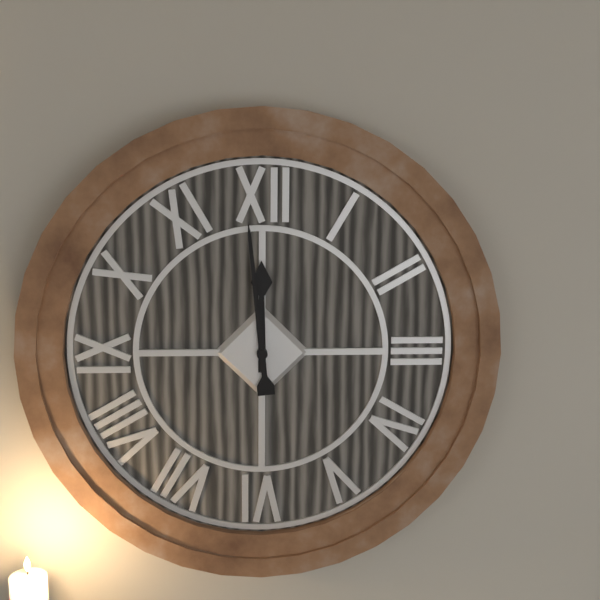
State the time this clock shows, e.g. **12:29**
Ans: **11:59**
